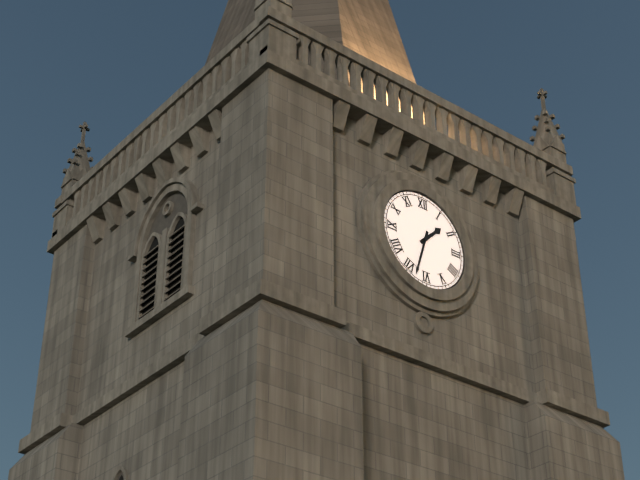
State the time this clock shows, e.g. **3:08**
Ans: **1:33**
